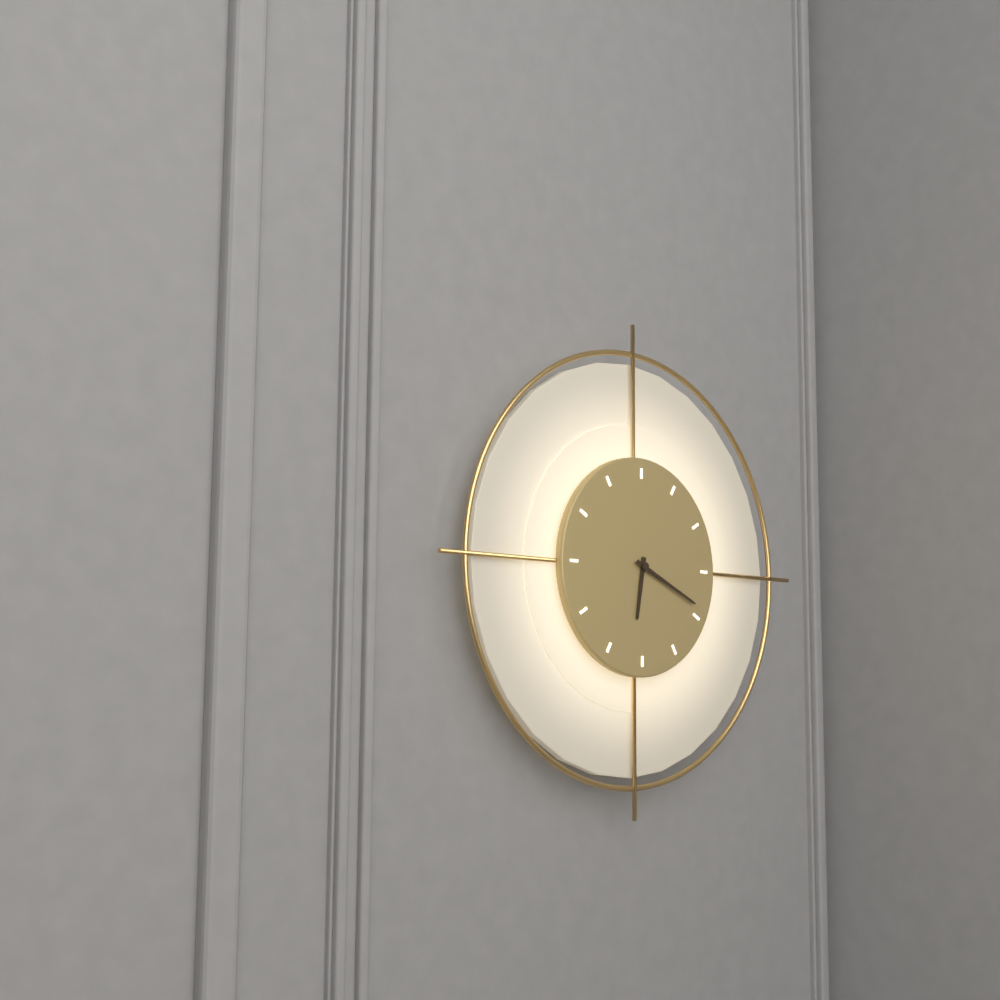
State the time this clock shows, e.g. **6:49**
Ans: **6:19**
